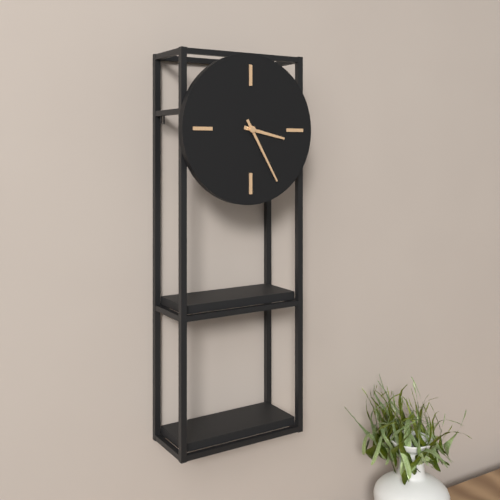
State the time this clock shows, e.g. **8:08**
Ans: **3:25**
